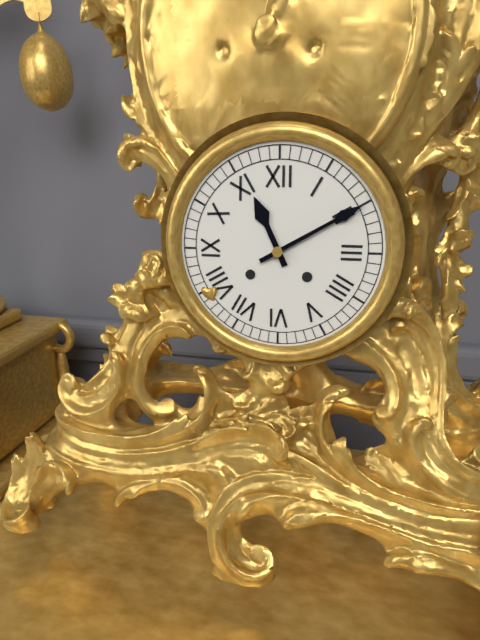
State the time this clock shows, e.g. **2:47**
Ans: **11:10**
